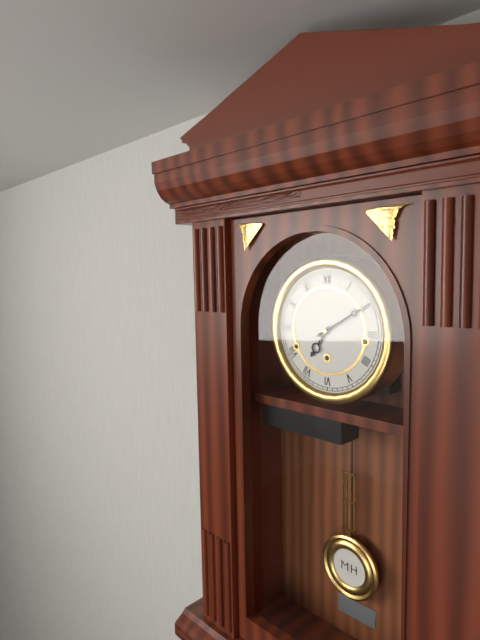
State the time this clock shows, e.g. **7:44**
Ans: **7:10**
